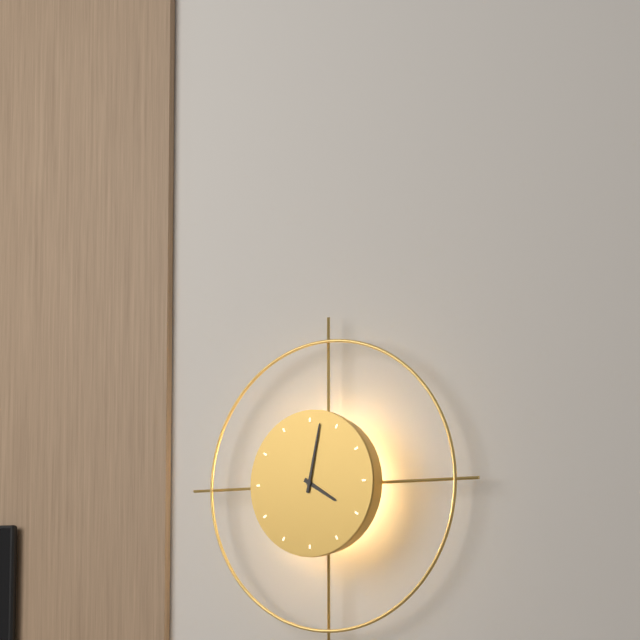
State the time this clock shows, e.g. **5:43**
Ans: **4:02**
